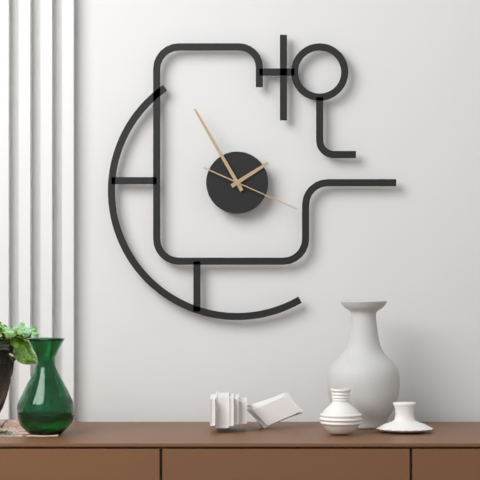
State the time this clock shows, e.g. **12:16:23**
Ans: **1:55:19**
